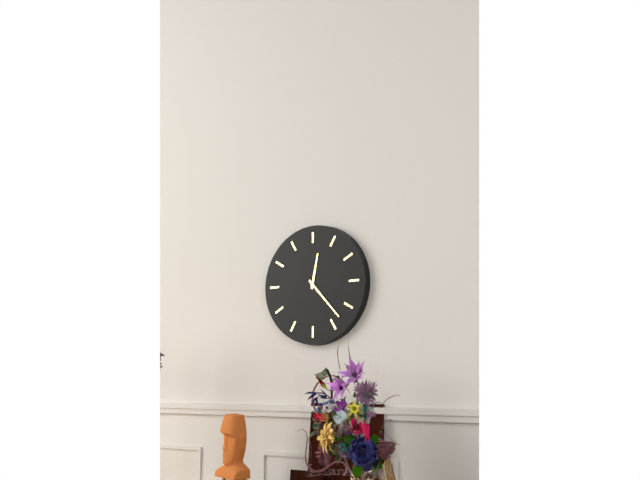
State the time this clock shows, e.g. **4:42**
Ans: **12:23**
